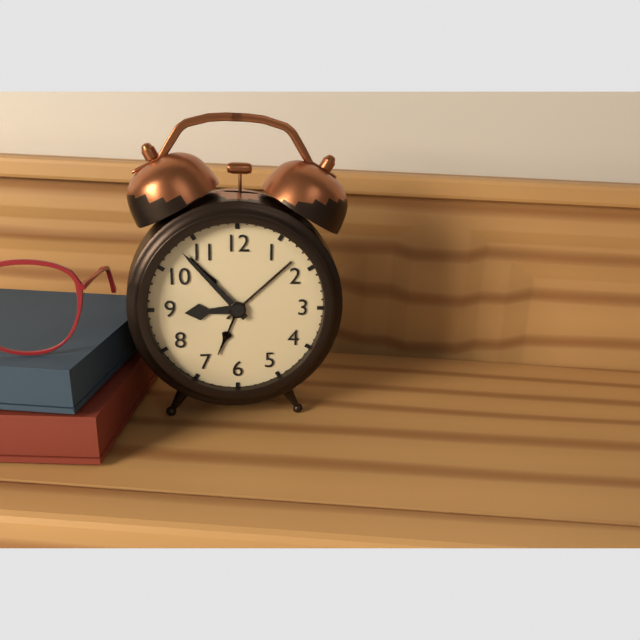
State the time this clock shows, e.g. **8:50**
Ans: **8:53**
